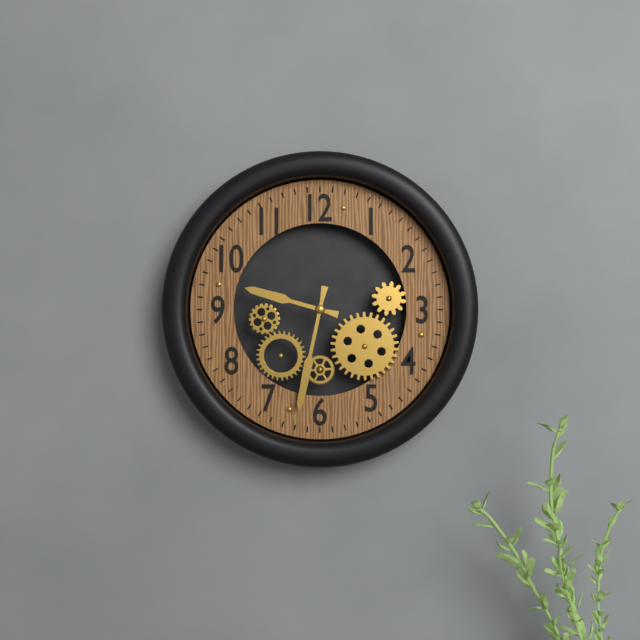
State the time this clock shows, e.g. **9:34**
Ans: **9:32**
